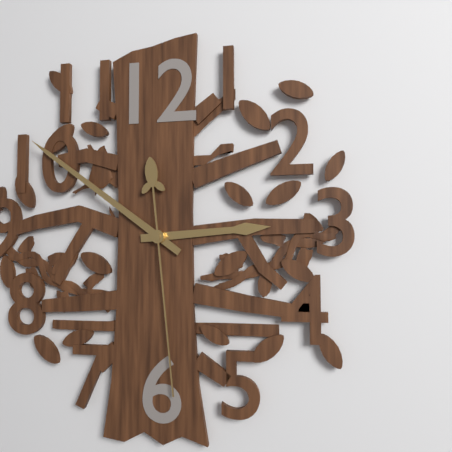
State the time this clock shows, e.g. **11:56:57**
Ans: **2:51:29**
